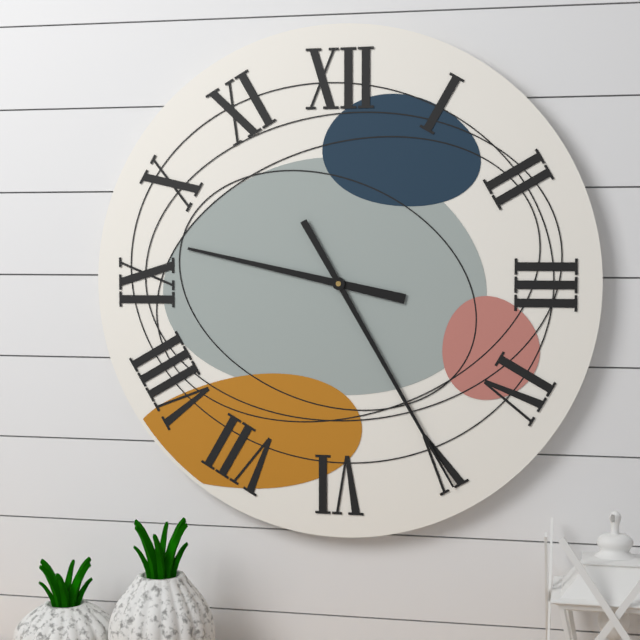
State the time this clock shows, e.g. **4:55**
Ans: **9:25**
